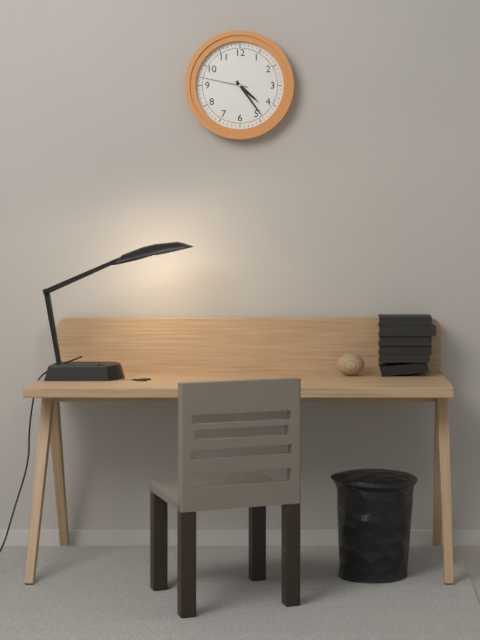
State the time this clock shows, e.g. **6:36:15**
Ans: **4:24:47**
